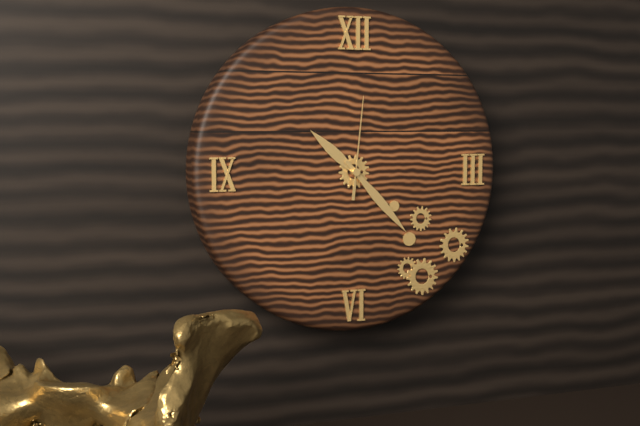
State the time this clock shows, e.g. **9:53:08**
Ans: **10:23:01**
